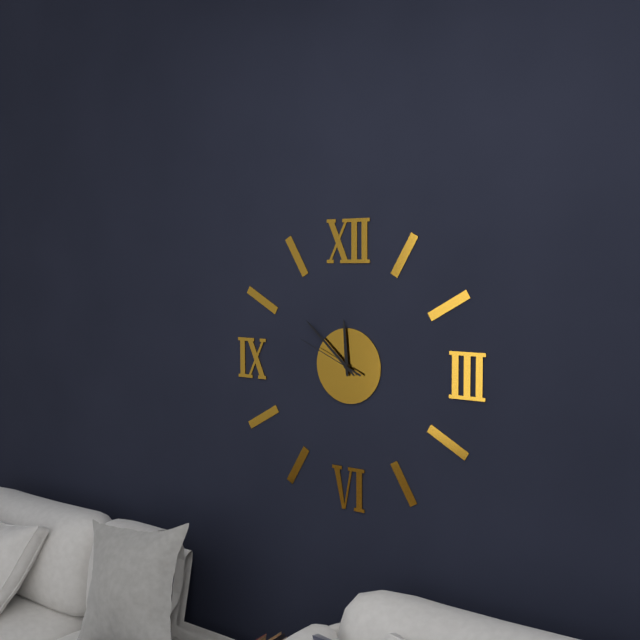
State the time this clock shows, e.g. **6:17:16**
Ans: **11:52:49**
